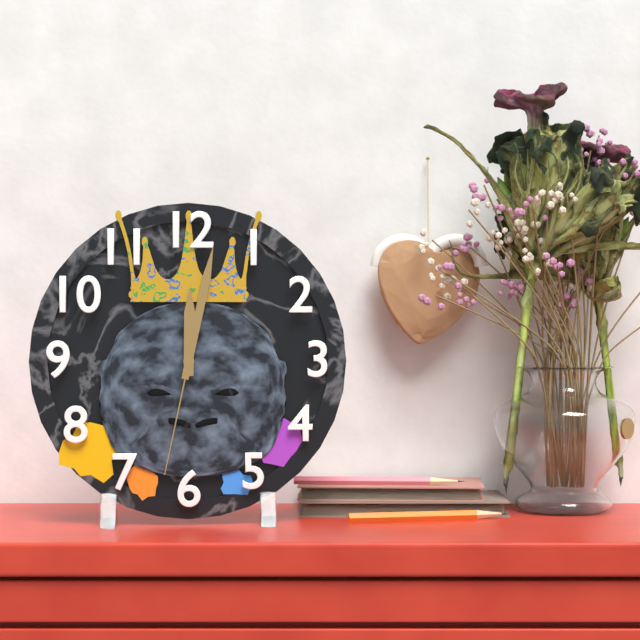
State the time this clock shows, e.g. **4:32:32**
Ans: **12:02:32**
